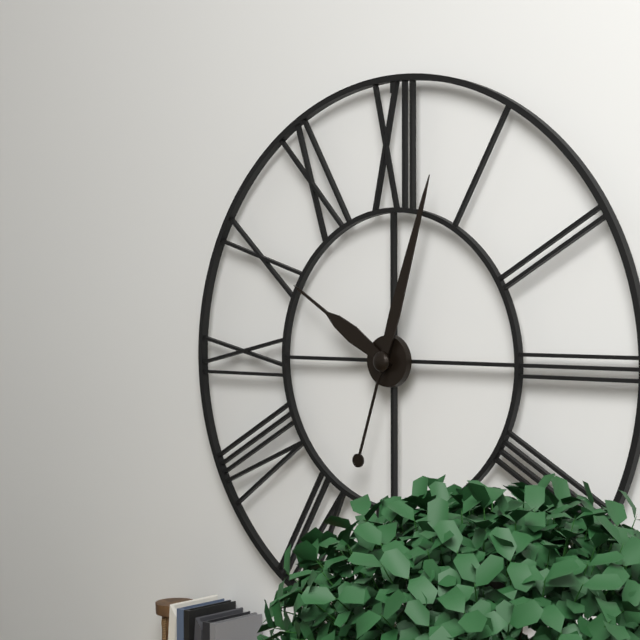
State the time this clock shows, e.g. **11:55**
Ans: **10:03**
